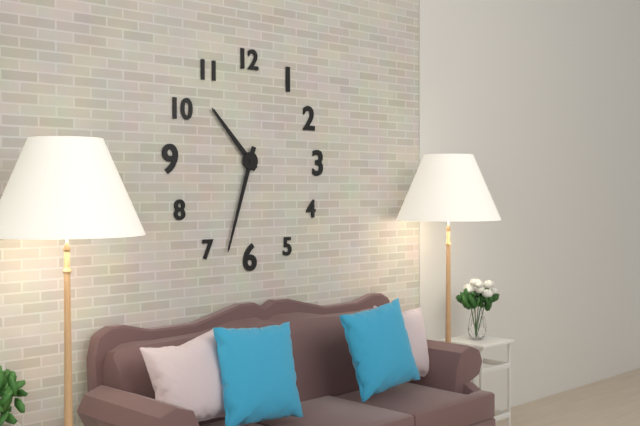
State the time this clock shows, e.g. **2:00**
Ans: **10:33**
